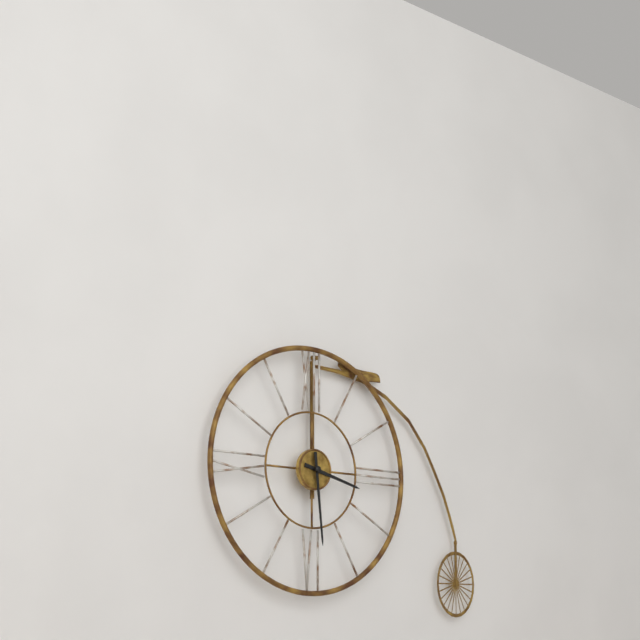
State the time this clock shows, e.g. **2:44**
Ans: **3:29**
